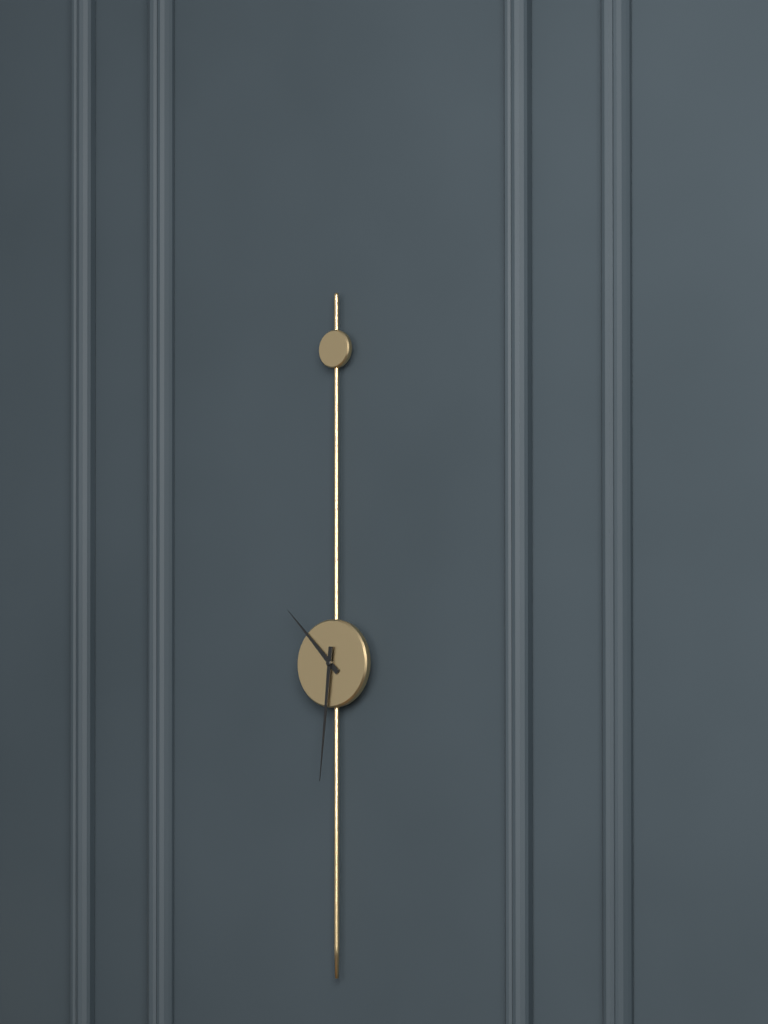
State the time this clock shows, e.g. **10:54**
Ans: **10:31**
